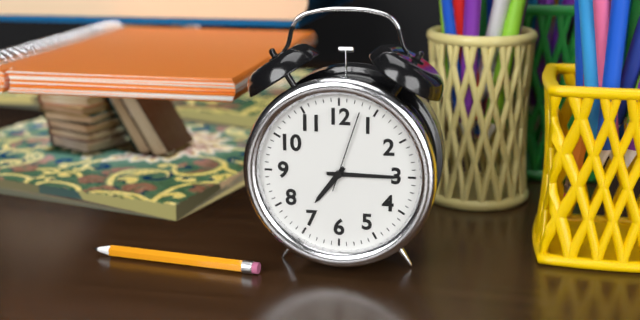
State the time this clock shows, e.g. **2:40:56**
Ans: **7:15:03**
